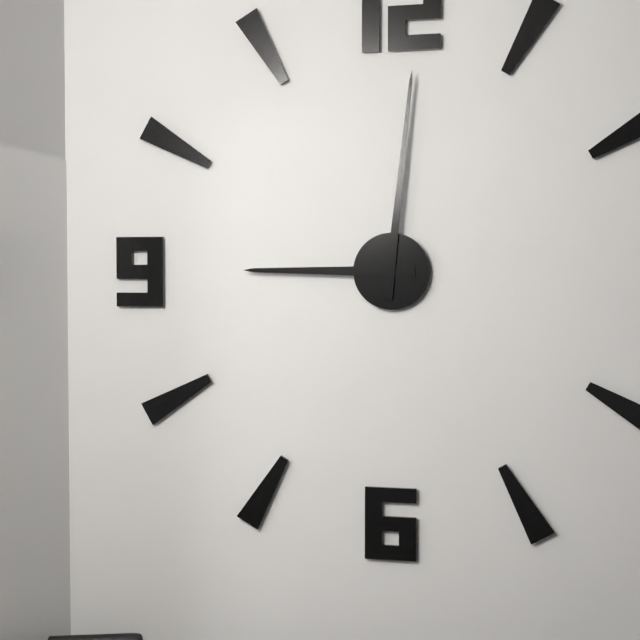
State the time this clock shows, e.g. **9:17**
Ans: **9:01**
